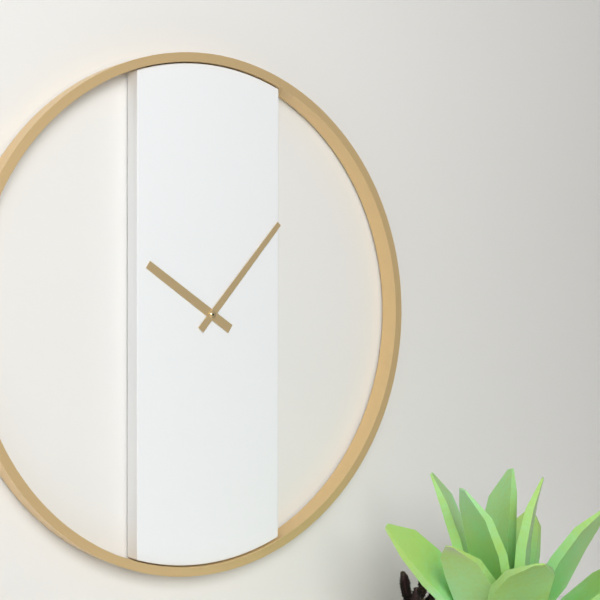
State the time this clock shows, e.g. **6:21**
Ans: **10:07**
